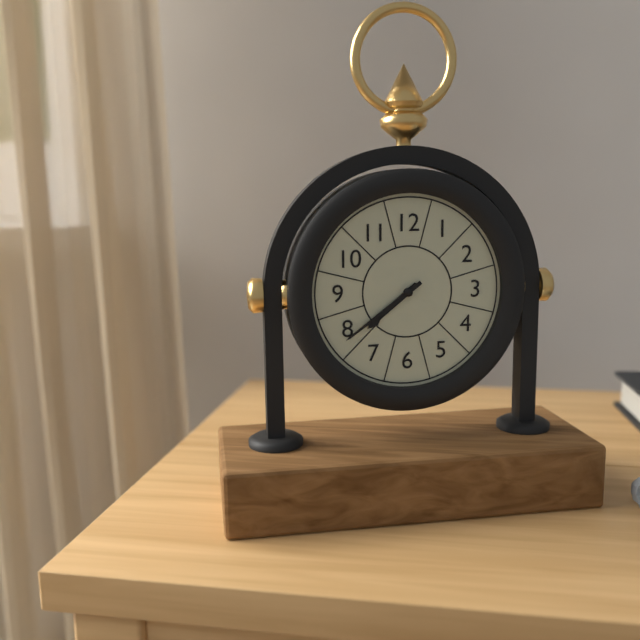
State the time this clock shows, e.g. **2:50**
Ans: **7:39**
